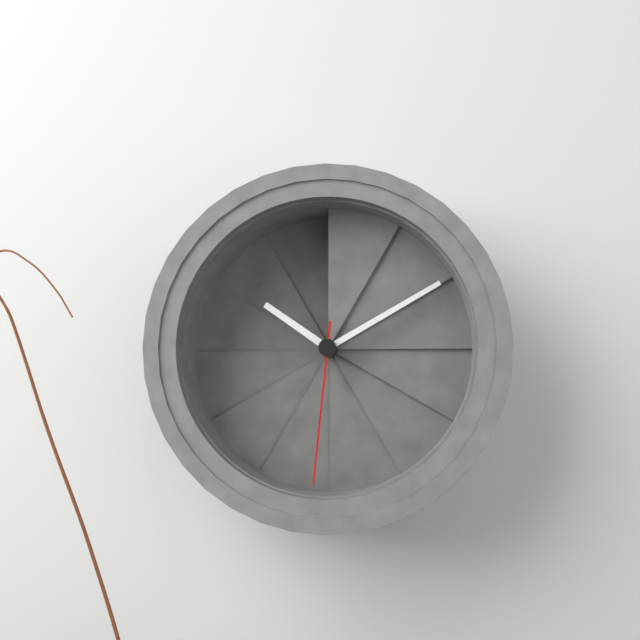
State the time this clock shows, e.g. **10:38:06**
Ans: **10:10:31**
